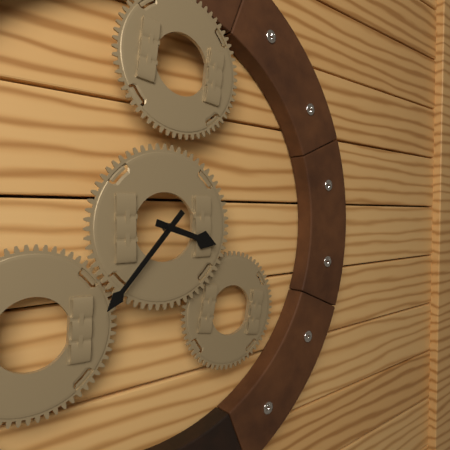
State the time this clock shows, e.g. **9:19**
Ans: **3:37**
